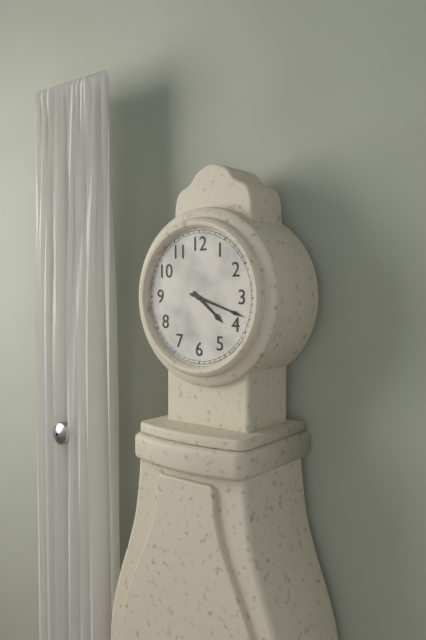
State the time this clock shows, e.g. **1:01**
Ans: **4:18**
